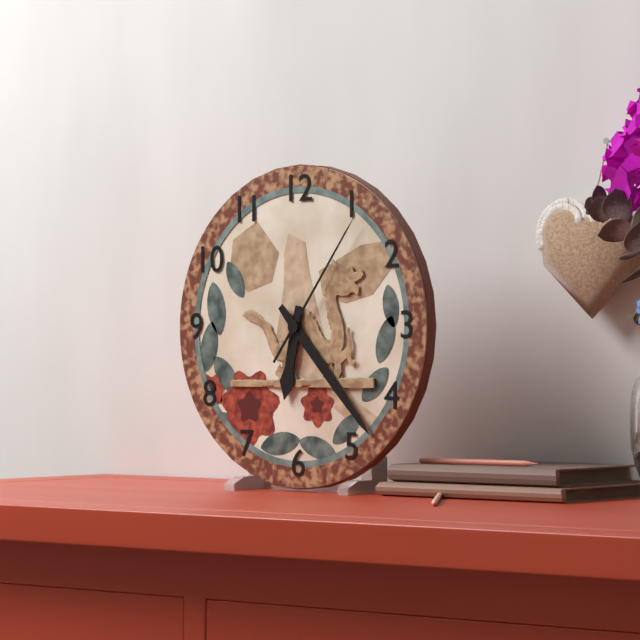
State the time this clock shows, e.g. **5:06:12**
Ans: **6:23:06**
